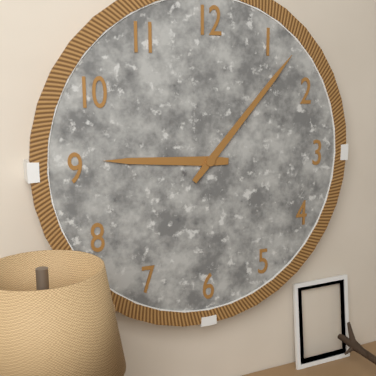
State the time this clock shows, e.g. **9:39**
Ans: **9:07**
